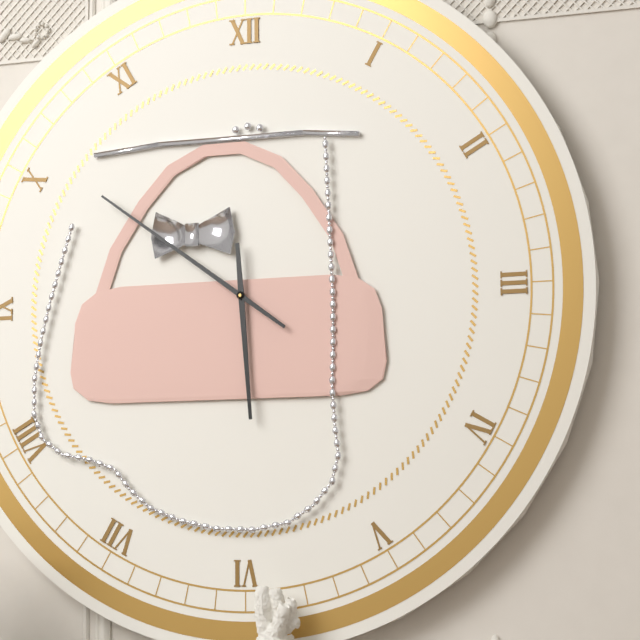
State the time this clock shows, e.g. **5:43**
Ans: **5:51**
